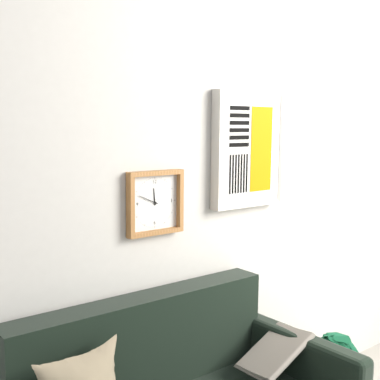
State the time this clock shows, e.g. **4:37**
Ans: **11:49**
